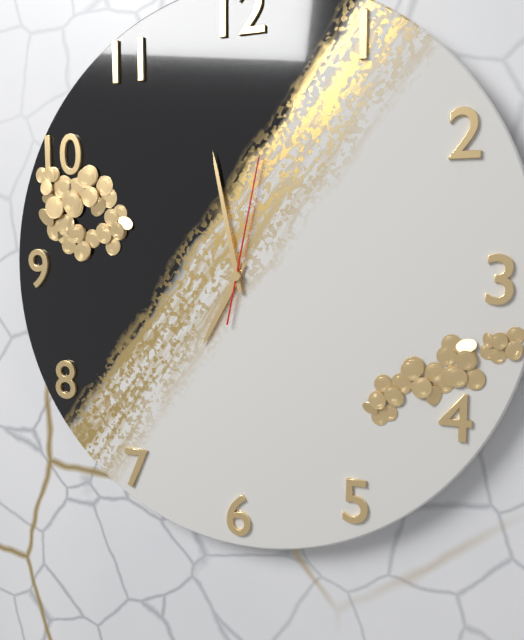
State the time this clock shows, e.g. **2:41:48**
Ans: **6:58:02**
